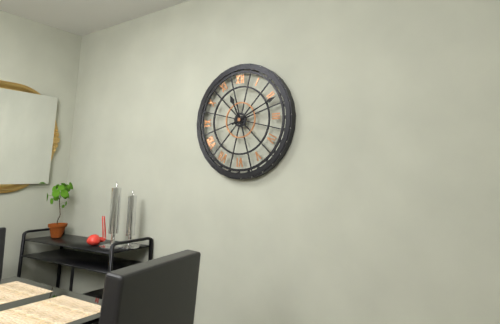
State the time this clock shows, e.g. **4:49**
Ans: **11:11**
